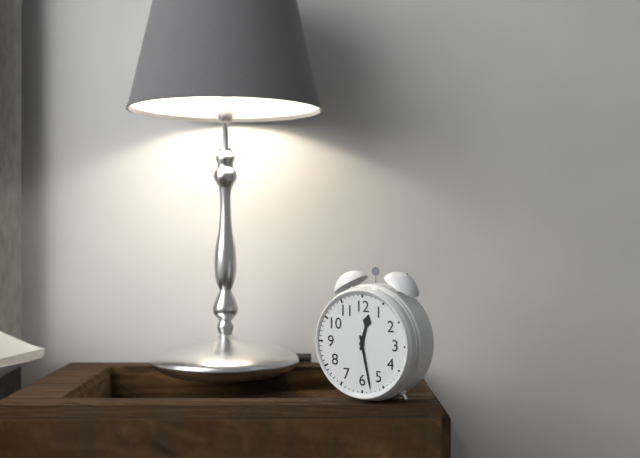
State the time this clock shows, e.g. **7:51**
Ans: **12:28**
